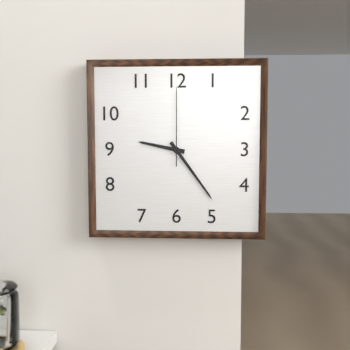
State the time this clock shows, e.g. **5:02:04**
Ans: **9:24:00**
